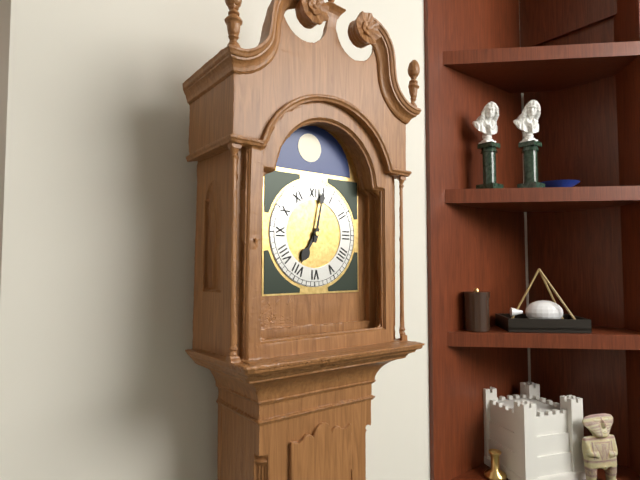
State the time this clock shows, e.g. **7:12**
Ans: **7:02**
